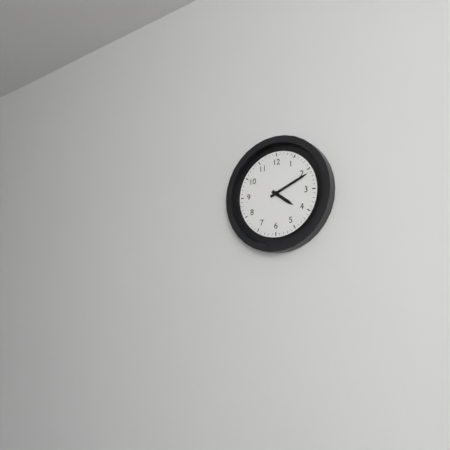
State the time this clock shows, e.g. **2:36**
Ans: **4:11**
